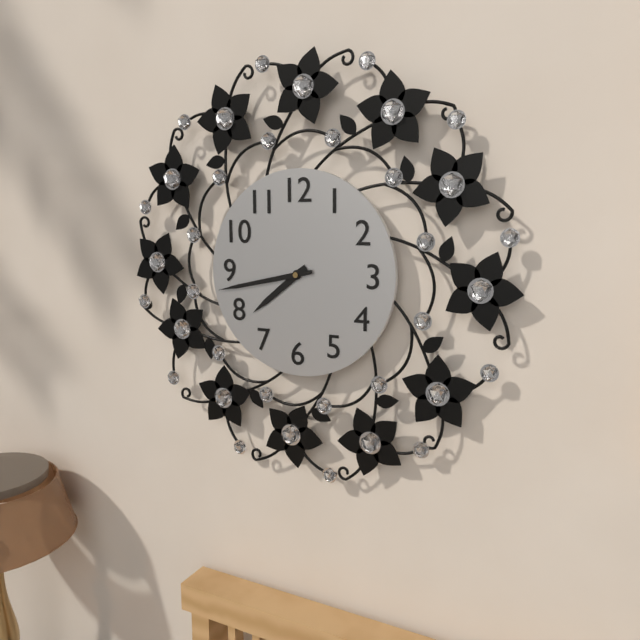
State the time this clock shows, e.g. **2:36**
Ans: **7:43**
